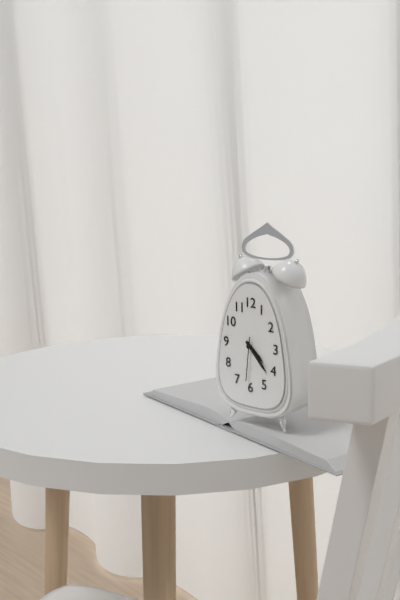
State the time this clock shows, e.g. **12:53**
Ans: **4:23**
